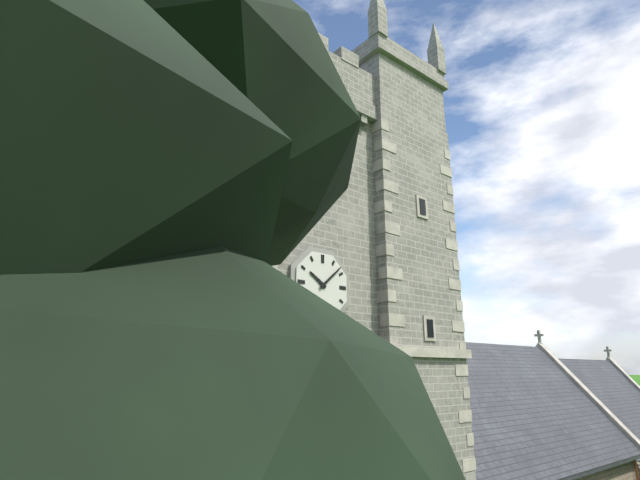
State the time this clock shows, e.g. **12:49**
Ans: **10:08**
